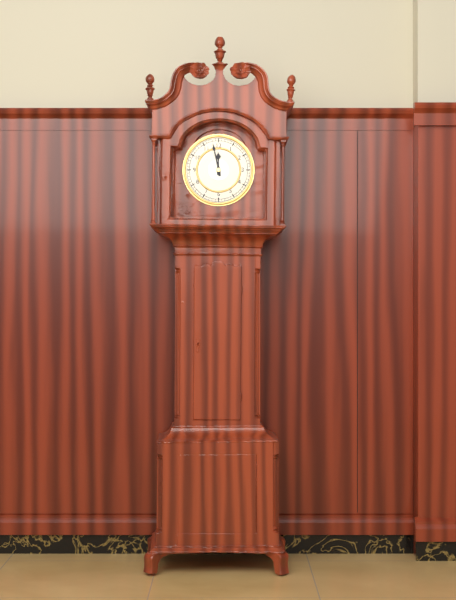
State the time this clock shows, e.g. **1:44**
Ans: **11:58**
